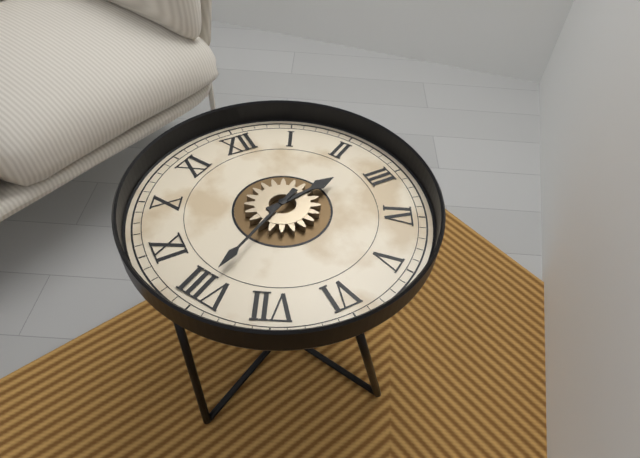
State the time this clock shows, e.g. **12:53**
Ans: **2:40**
